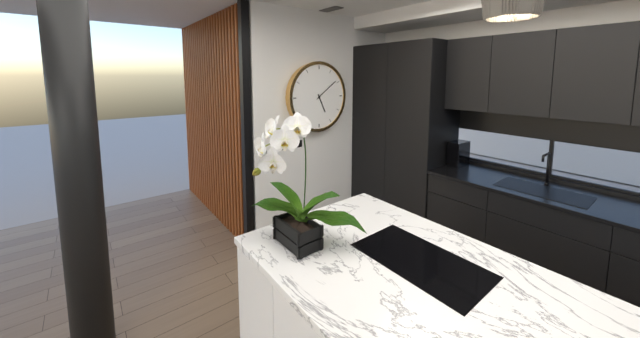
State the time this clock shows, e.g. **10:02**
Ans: **5:09**
